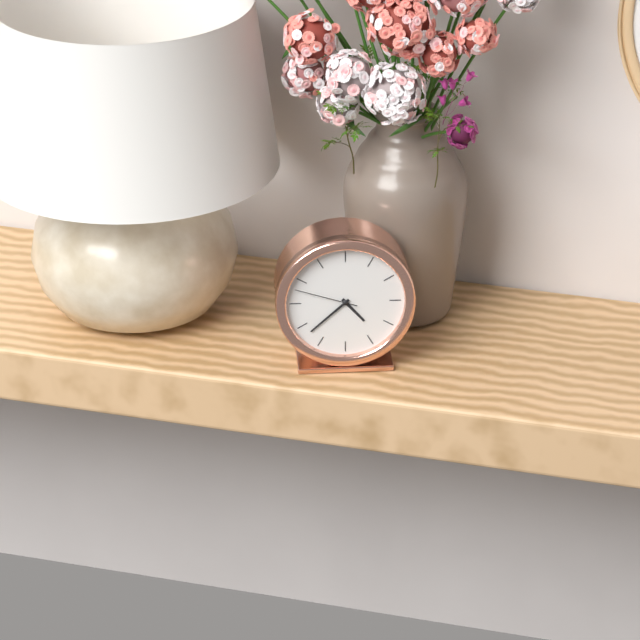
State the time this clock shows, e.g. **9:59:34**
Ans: **4:38:48**
